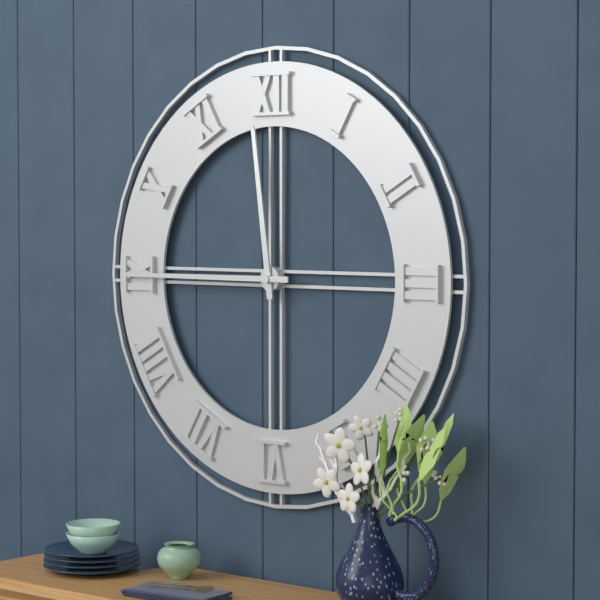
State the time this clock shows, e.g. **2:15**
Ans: **11:45**
